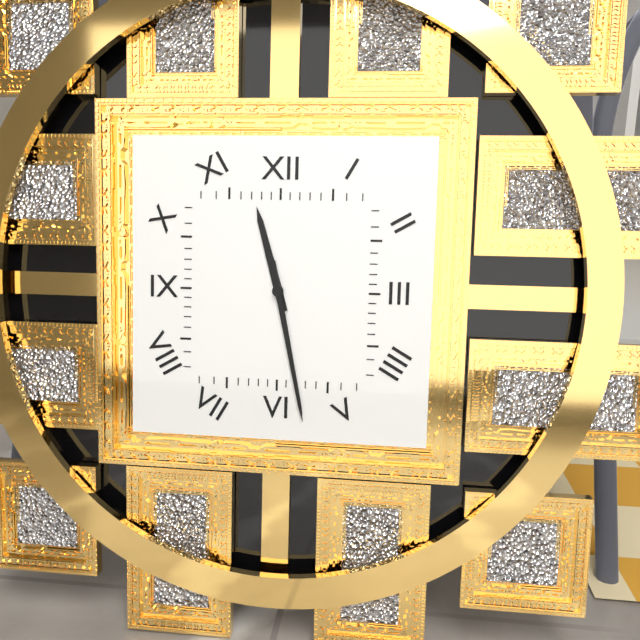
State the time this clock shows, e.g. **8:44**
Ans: **11:28**
